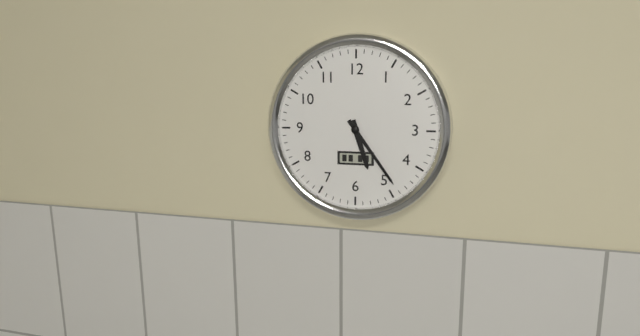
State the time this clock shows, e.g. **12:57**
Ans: **5:24**
